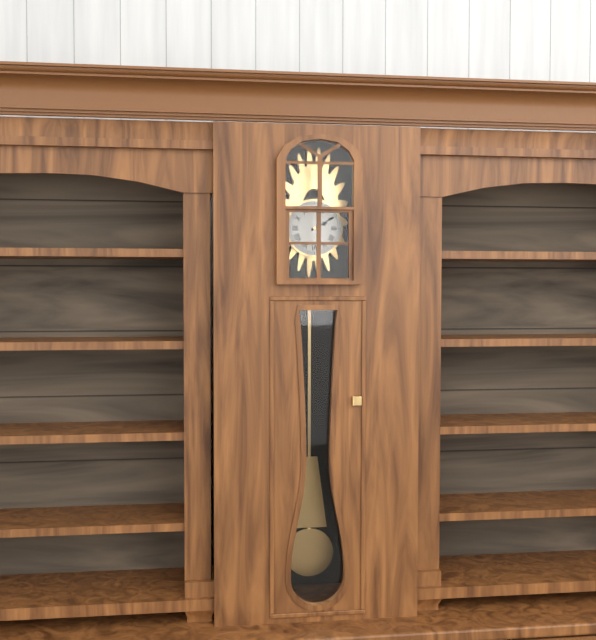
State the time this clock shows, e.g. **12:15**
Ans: **2:10**
